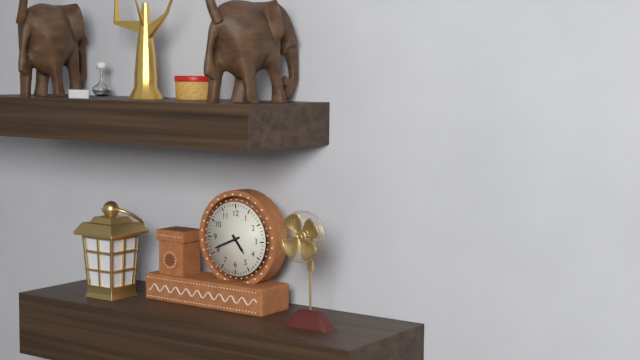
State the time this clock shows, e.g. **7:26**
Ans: **4:41**
